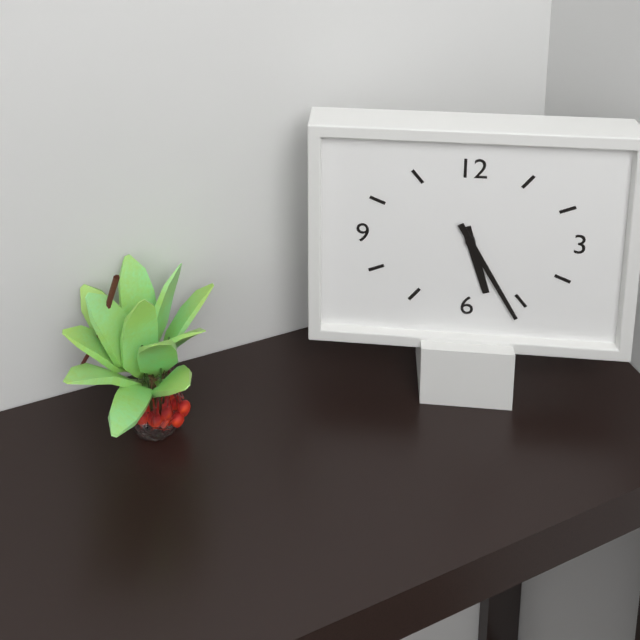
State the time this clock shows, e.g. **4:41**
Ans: **5:25**
